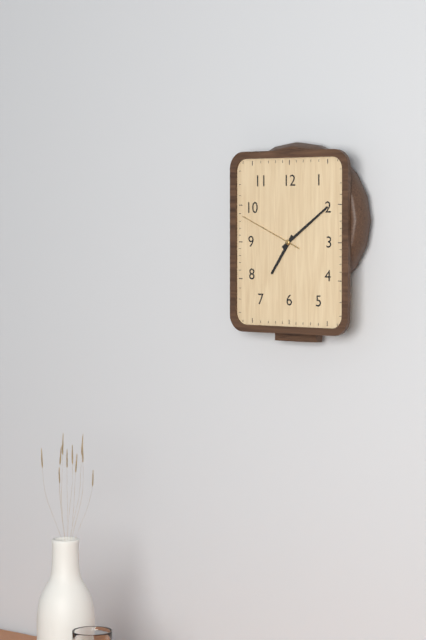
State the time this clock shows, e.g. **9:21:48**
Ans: **7:09:49**
